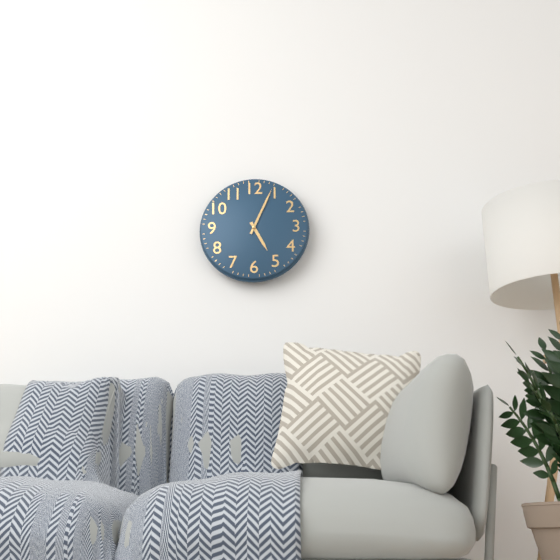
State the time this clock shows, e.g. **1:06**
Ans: **5:04**
